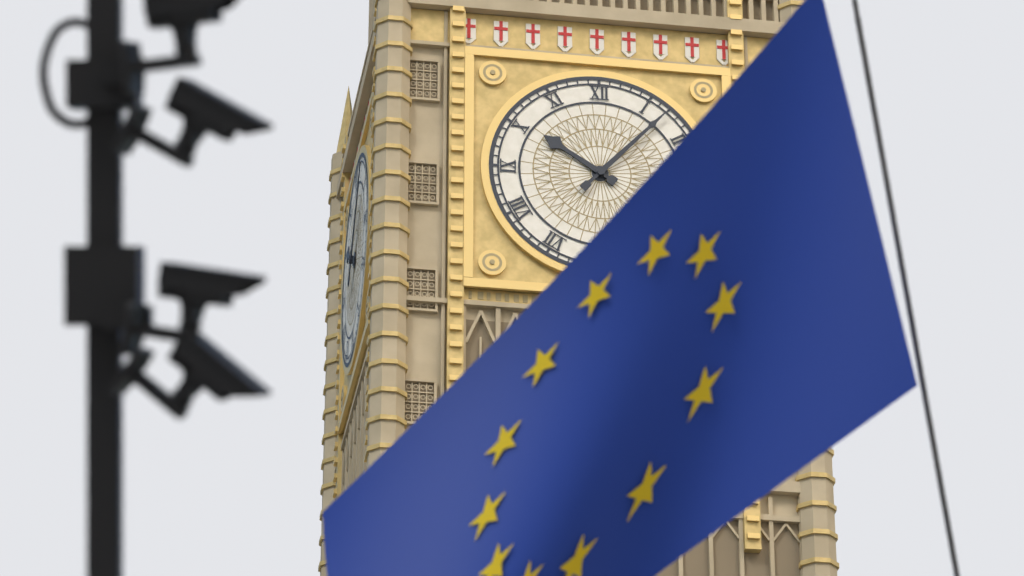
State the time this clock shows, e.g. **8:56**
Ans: **10:07**
